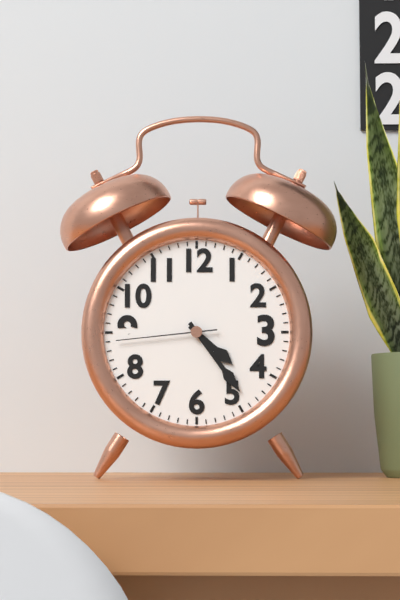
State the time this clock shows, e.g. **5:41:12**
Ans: **4:24:44**
